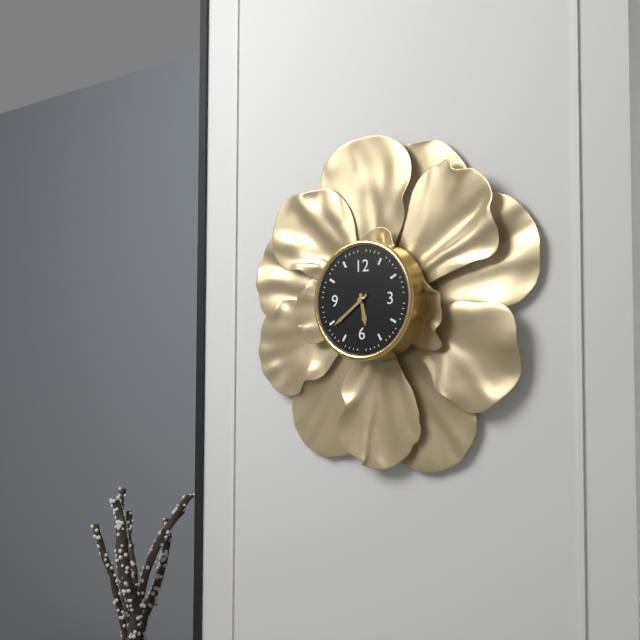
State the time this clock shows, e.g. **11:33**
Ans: **5:39**
